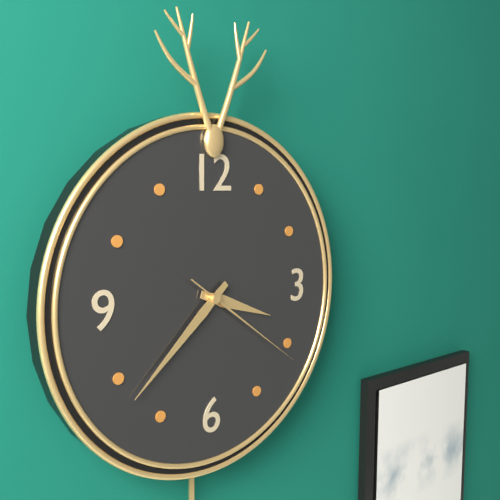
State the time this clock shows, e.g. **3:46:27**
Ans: **3:38:21**
